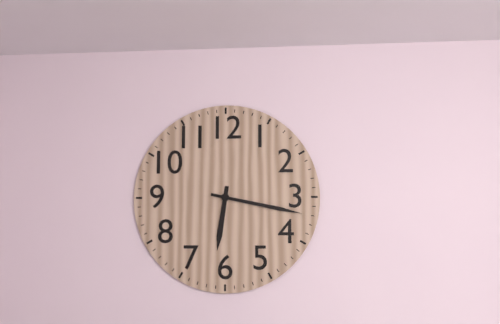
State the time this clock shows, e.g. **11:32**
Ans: **6:17**
